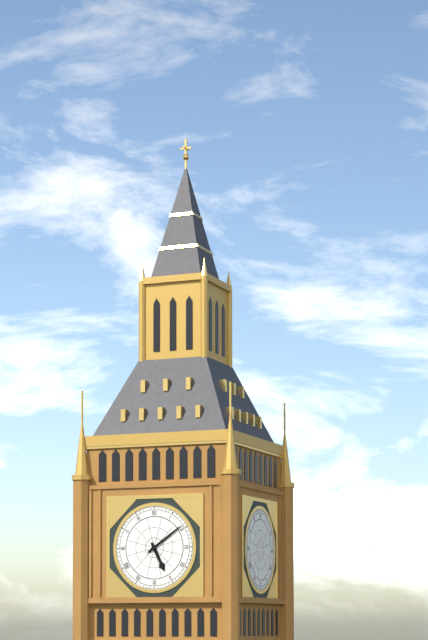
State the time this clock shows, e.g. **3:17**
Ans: **5:09**
